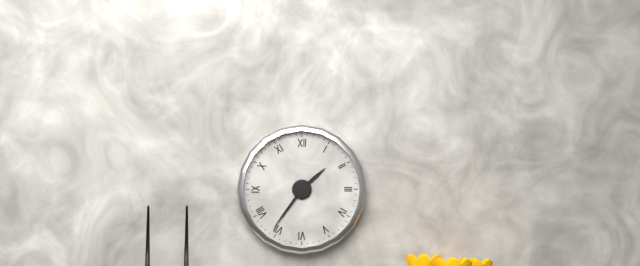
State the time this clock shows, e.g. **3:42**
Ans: **1:36**
